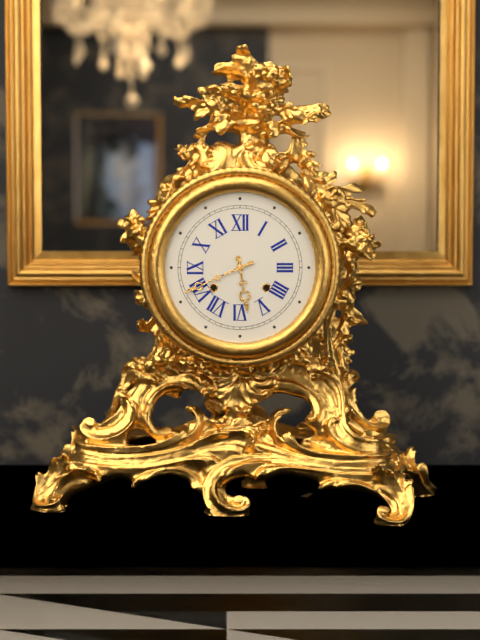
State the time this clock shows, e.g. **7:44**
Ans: **5:41**
